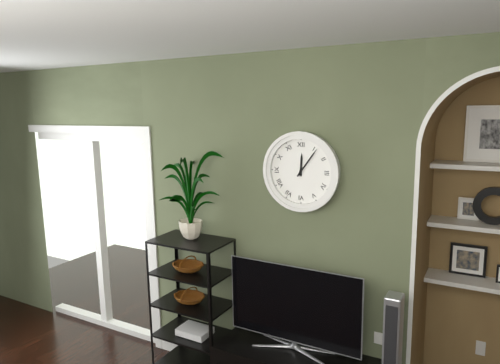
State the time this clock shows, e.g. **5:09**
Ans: **12:06**
